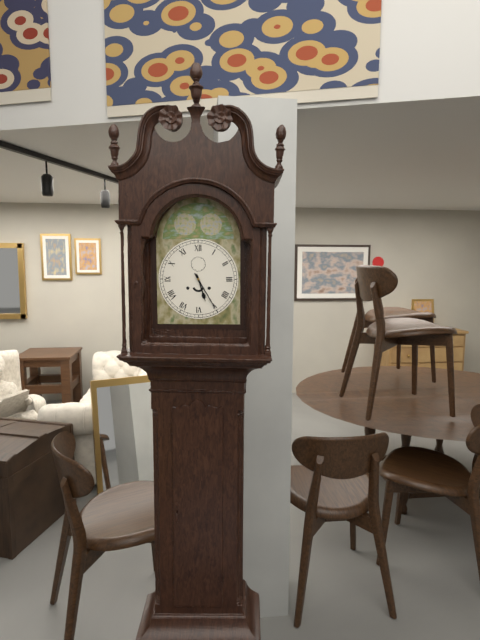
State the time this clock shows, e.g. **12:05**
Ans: **5:25**
